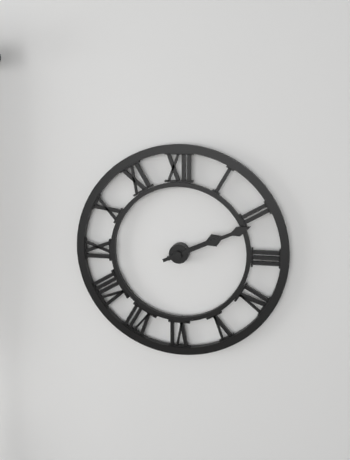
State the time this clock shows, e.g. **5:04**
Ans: **2:11**
